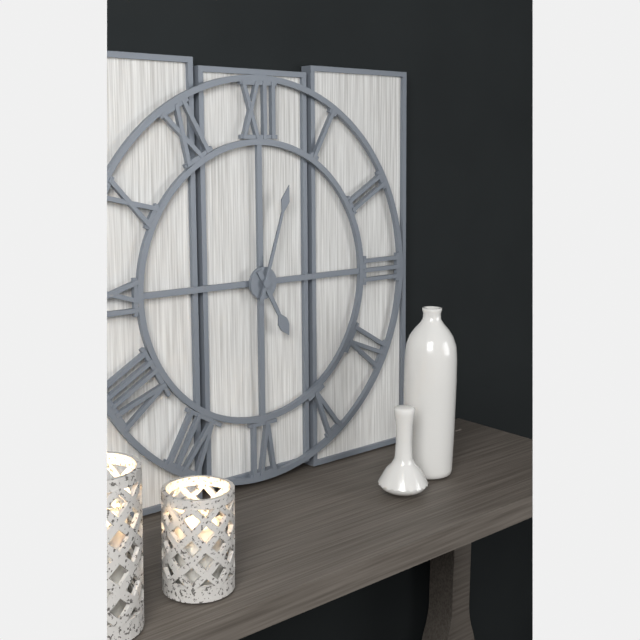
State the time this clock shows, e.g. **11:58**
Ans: **5:03**
